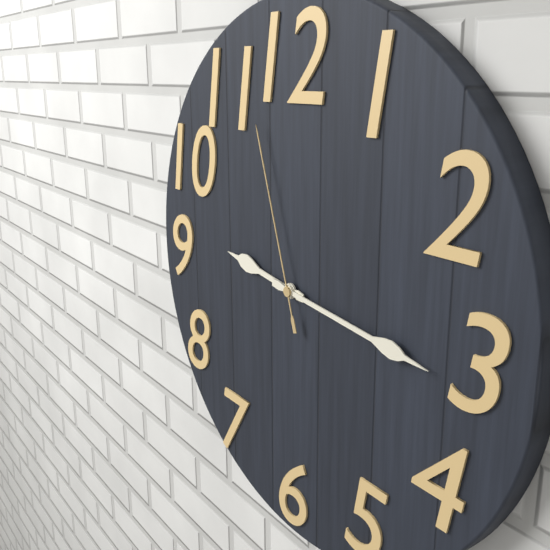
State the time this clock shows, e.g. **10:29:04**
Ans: **9:16:57**
